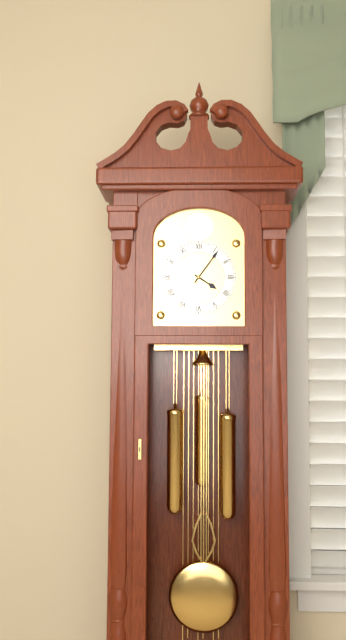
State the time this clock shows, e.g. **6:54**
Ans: **4:06**
